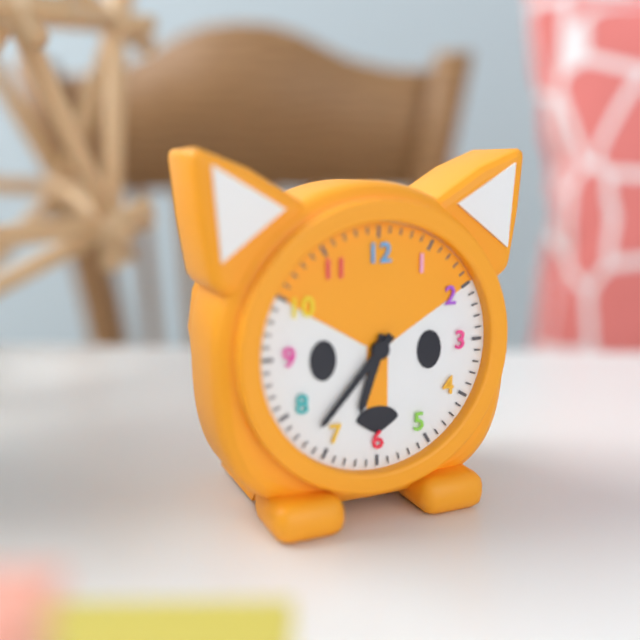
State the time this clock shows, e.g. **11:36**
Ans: **6:37**
